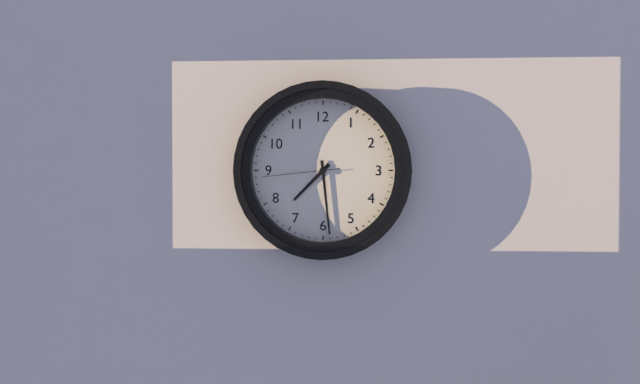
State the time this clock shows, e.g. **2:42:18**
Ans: **7:29:44**
